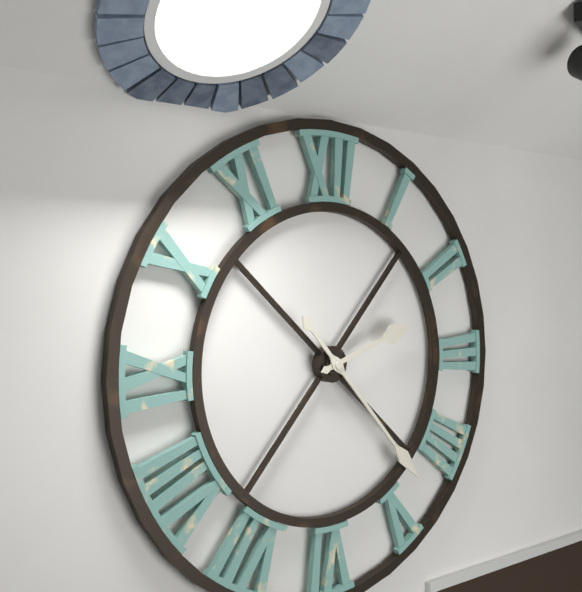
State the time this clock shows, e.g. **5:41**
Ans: **2:23**
